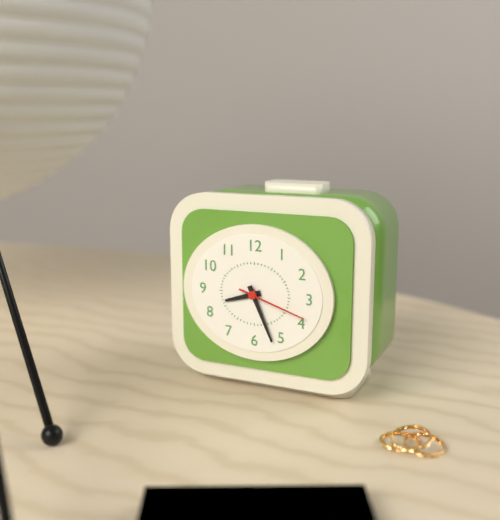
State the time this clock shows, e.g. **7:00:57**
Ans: **8:26:18**
